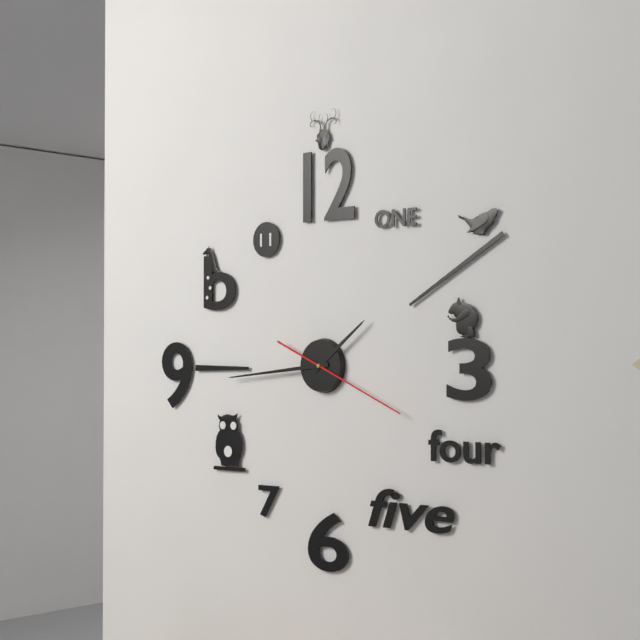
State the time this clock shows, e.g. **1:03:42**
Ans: **1:44:19**
